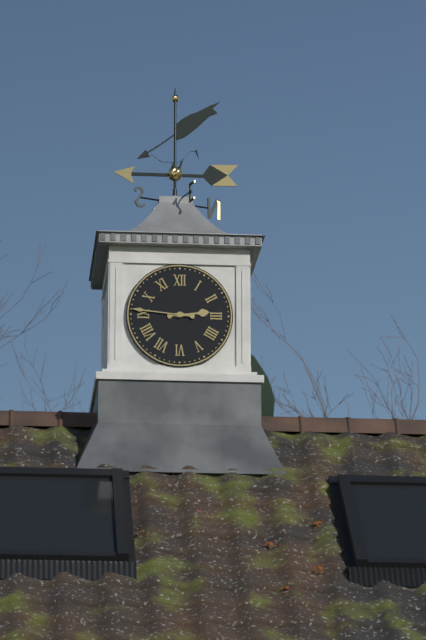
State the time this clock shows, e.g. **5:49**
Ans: **2:46**
